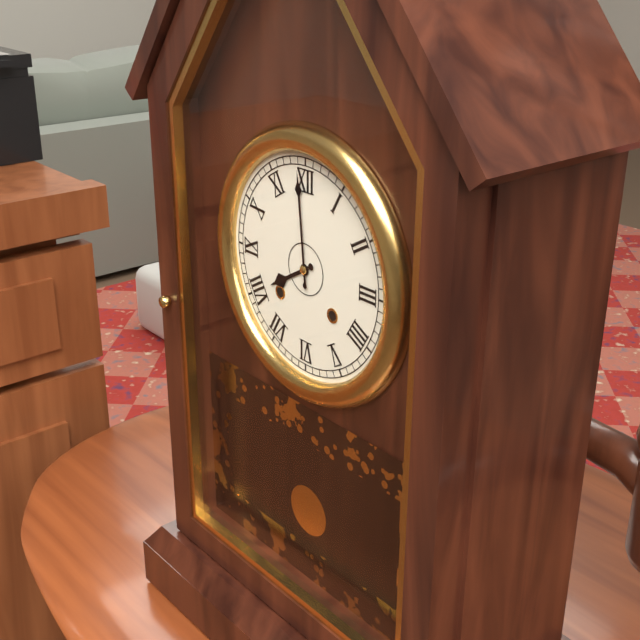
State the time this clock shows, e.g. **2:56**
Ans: **7:59**
